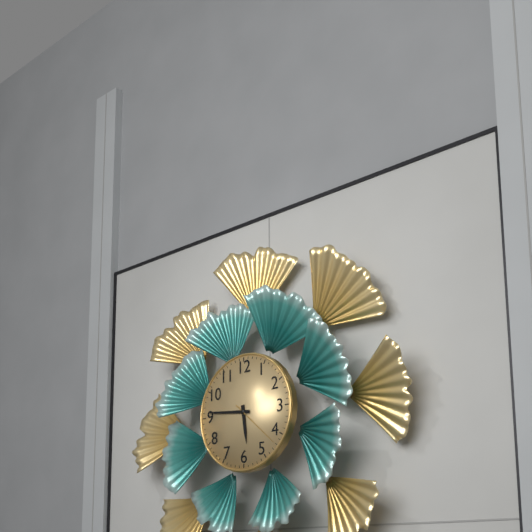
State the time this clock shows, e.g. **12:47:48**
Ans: **5:46:22**
